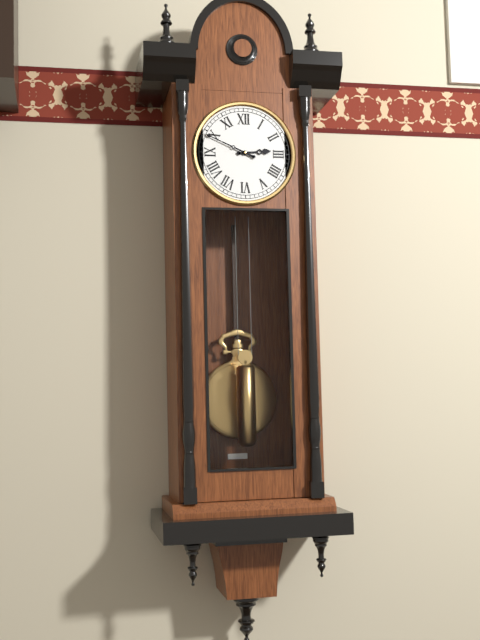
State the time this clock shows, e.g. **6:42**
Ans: **2:49**
